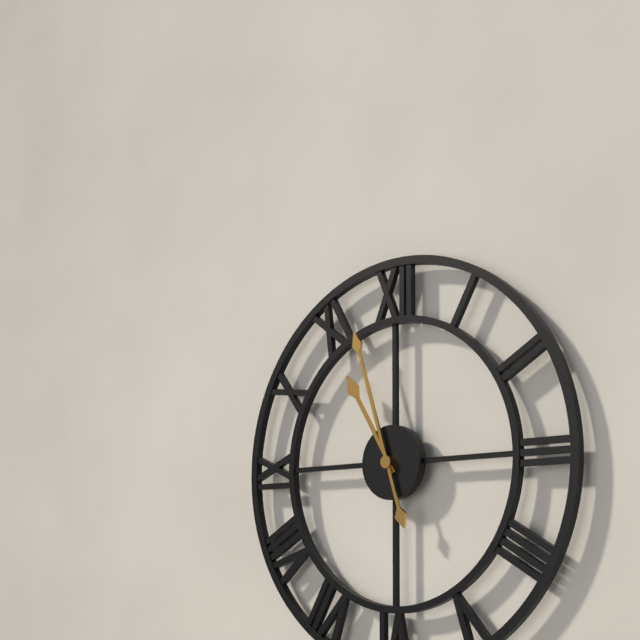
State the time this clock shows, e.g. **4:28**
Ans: **10:57**
